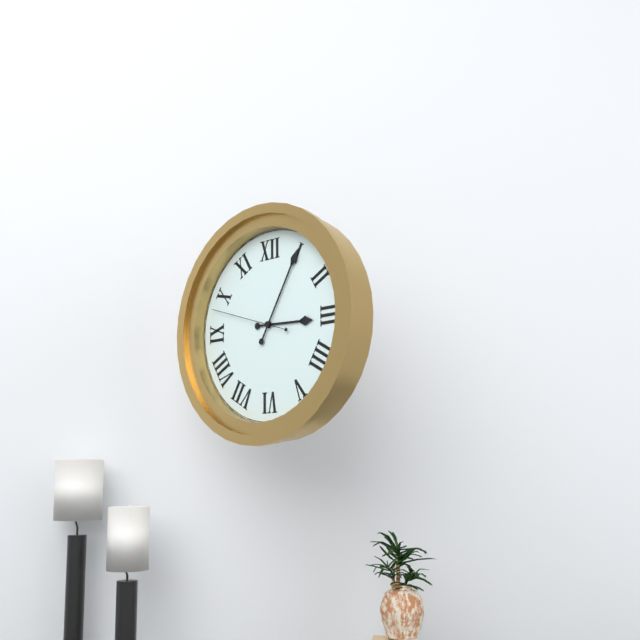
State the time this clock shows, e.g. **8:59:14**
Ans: **3:05:48**
